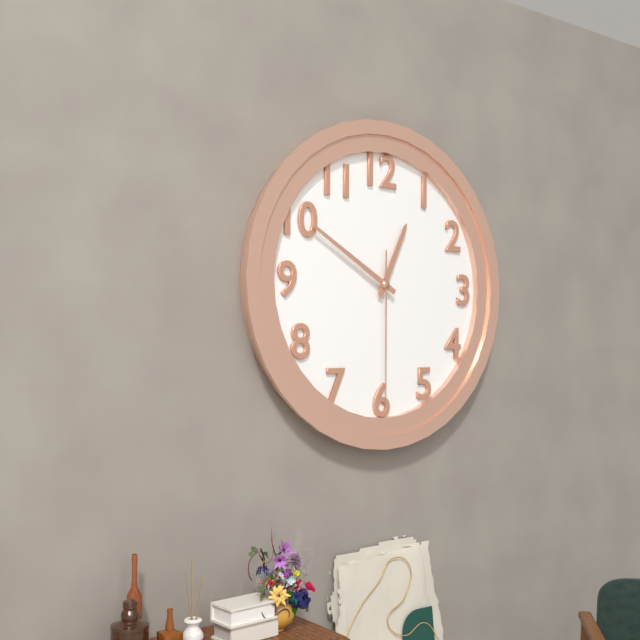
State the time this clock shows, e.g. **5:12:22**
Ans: **12:50:30**
